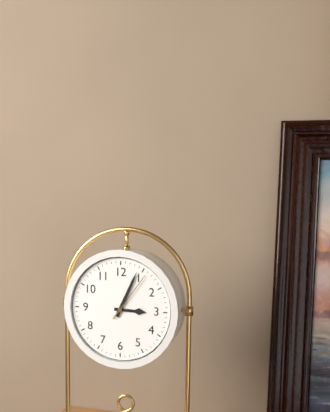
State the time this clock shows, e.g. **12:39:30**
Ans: **3:04:06**
